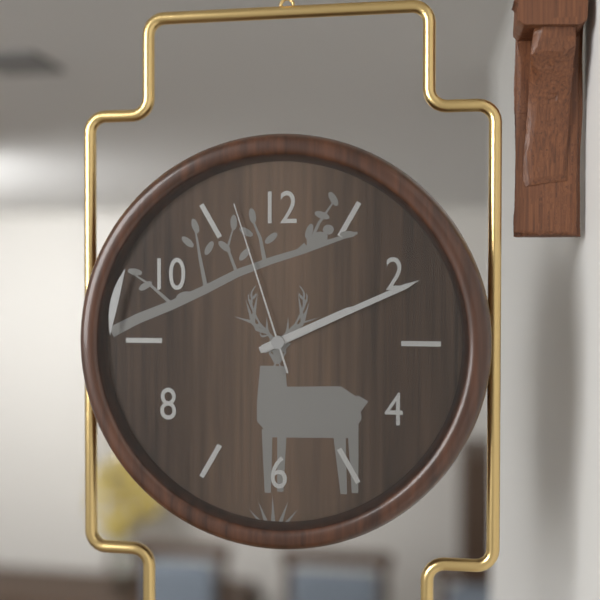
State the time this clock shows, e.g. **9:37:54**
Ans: **2:11:57**
